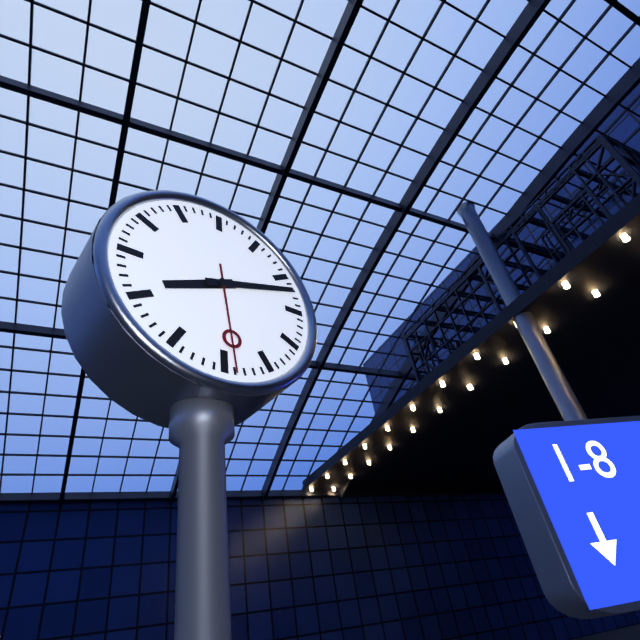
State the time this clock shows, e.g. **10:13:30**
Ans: **8:12:29**
